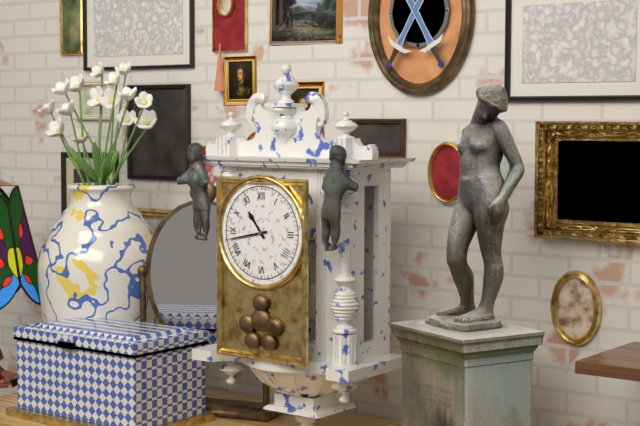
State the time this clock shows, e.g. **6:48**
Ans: **10:43**
